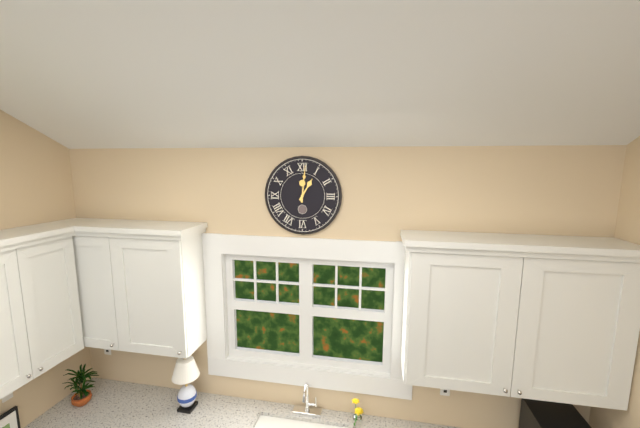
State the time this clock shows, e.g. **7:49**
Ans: **1:01**
